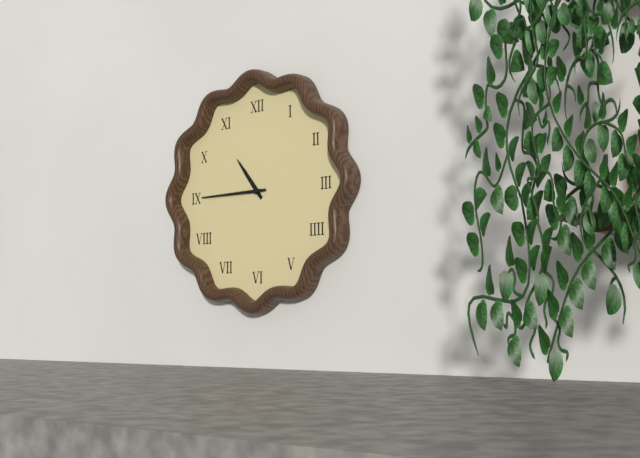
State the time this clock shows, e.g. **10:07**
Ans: **10:45**
